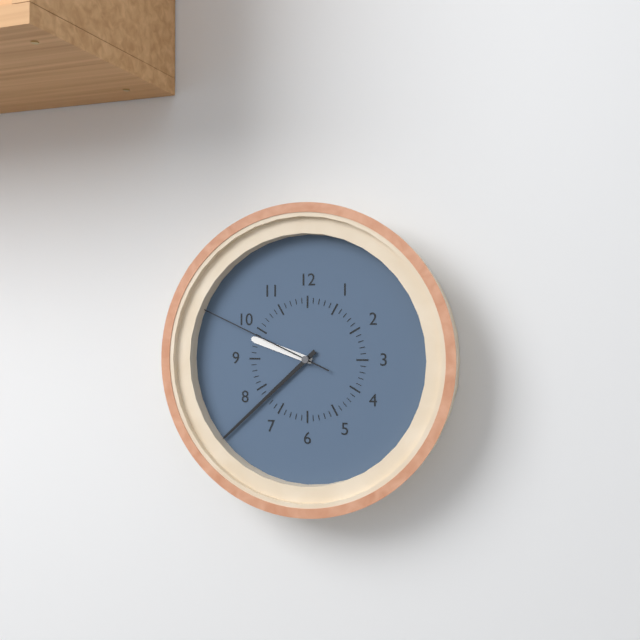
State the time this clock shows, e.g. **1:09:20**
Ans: **9:38:49**
